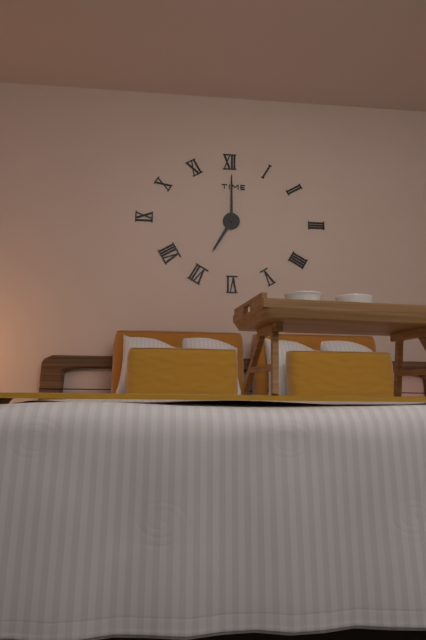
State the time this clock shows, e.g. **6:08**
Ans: **7:00**
